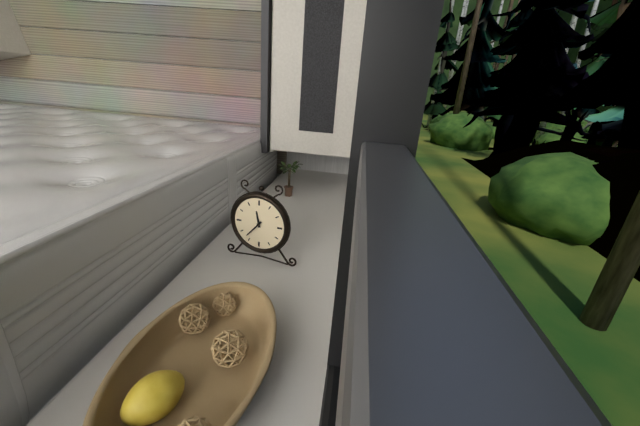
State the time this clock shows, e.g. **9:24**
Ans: **11:37**
